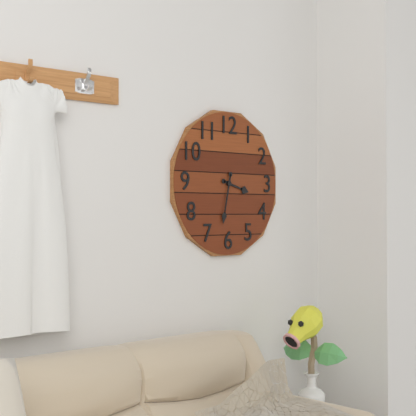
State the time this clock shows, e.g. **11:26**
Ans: **3:32**
